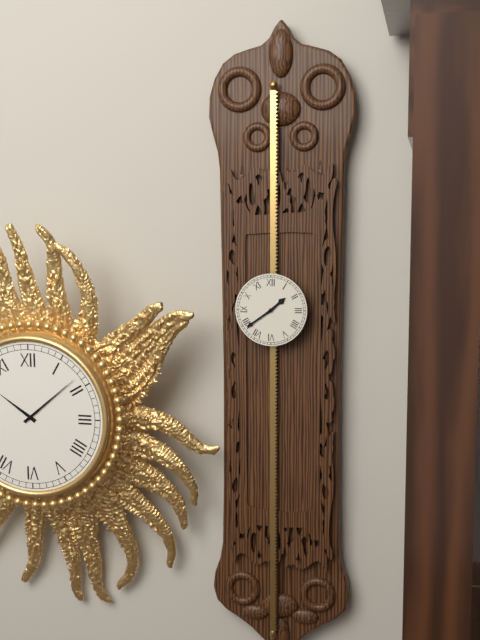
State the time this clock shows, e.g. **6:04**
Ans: **1:39**
